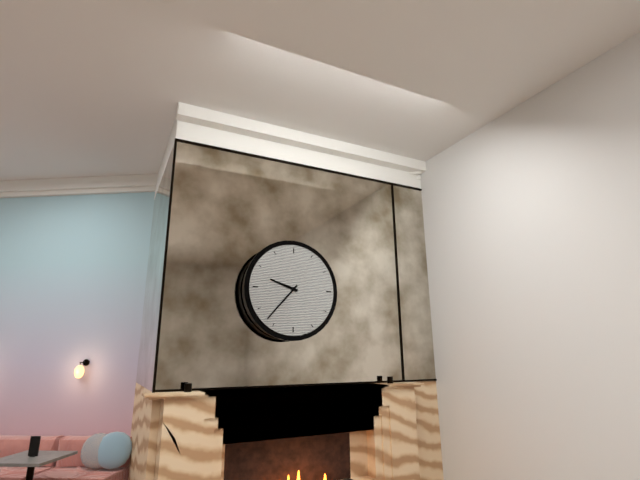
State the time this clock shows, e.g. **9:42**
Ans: **9:37**
